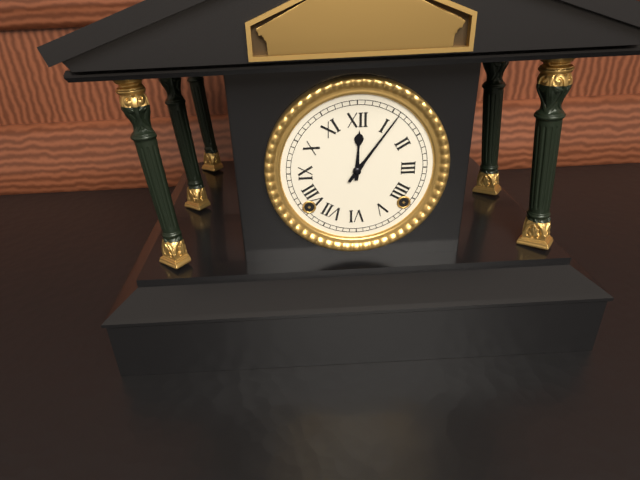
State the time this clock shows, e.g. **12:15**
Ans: **12:06**
